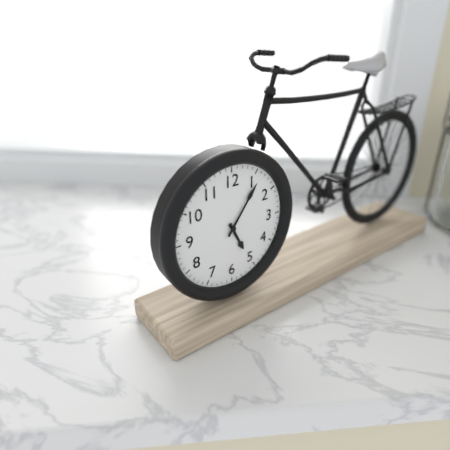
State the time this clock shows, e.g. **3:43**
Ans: **5:06**
